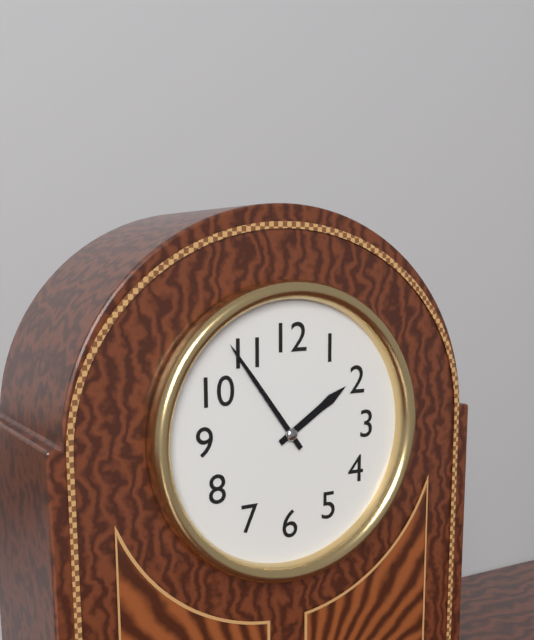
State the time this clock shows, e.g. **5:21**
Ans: **1:54**
